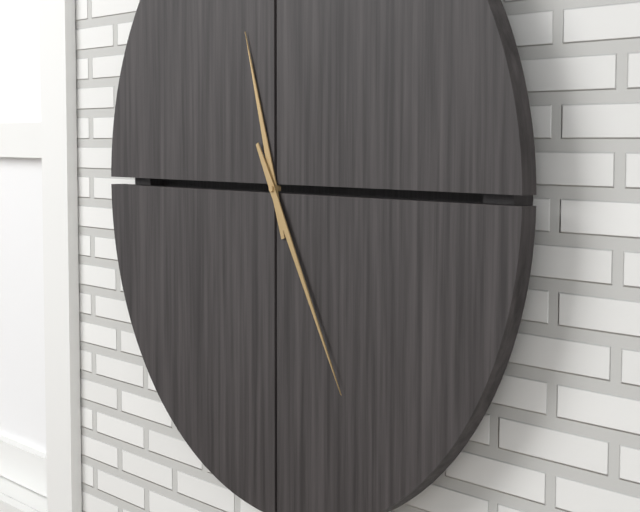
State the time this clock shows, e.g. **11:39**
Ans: **11:25**
